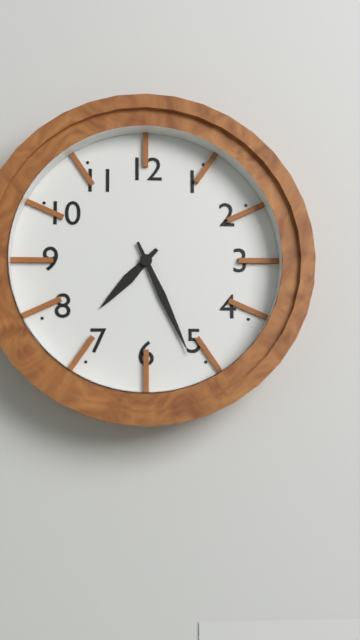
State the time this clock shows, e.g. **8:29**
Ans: **7:26**
